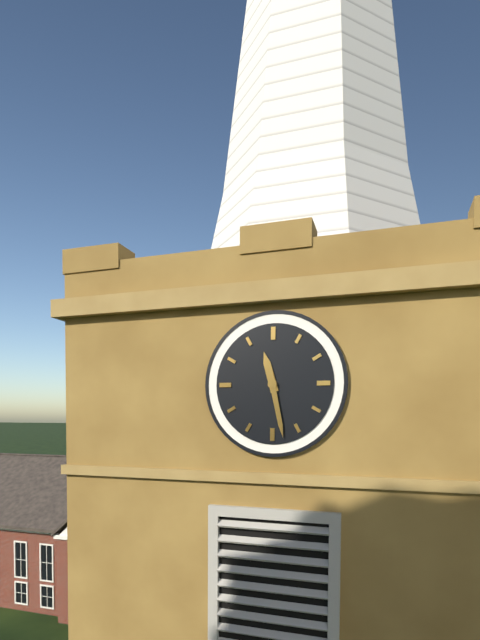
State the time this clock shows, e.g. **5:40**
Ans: **11:28**
